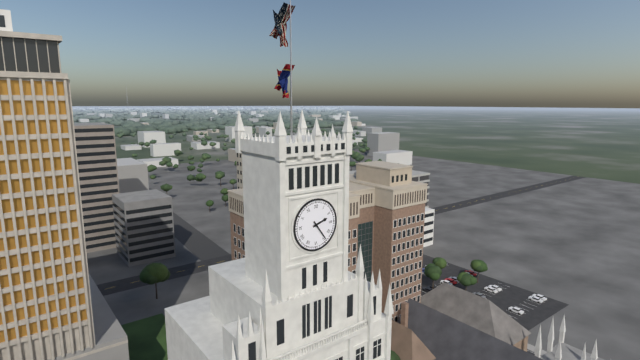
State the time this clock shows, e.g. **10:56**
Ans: **2:24**
